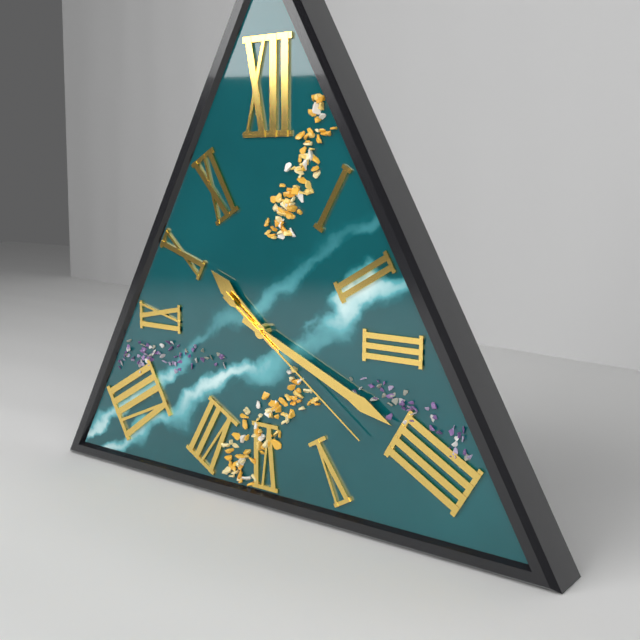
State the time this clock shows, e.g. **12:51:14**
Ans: **10:19:21**
